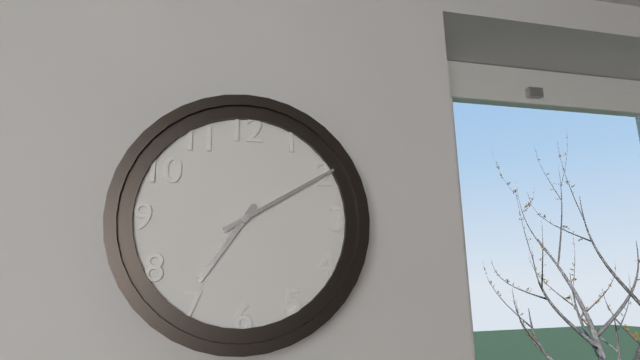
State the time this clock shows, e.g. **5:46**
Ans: **7:10**
